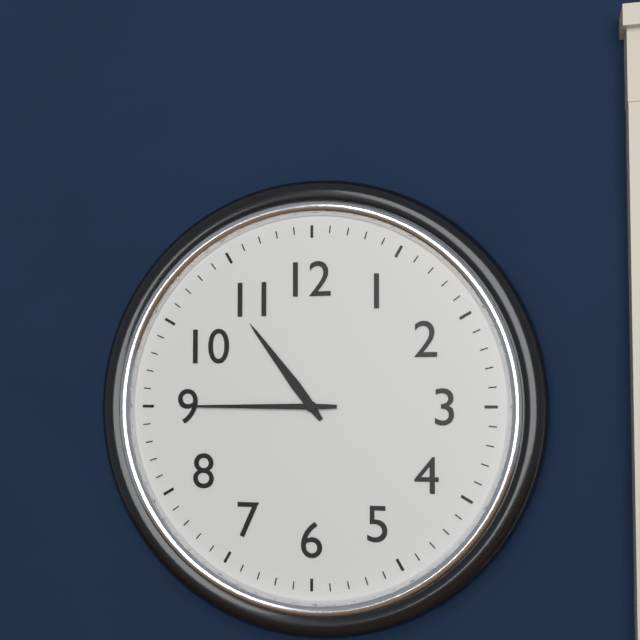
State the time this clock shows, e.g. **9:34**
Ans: **10:45**
